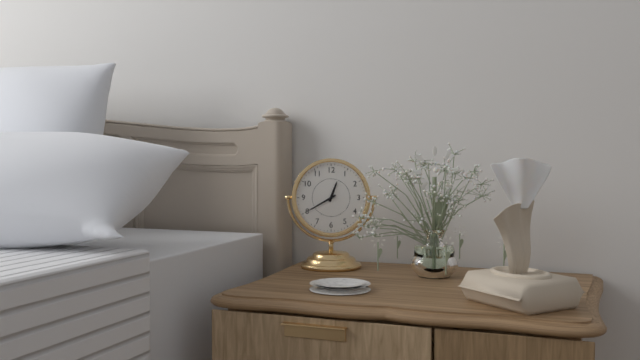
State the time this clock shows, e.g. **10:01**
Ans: **12:40**
